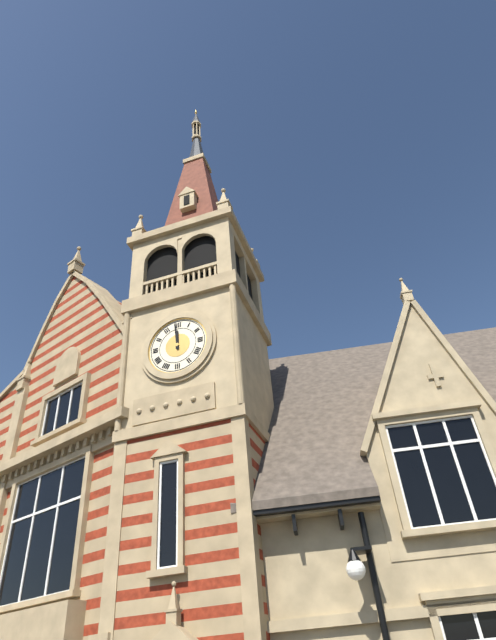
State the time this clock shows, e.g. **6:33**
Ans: **11:59**
